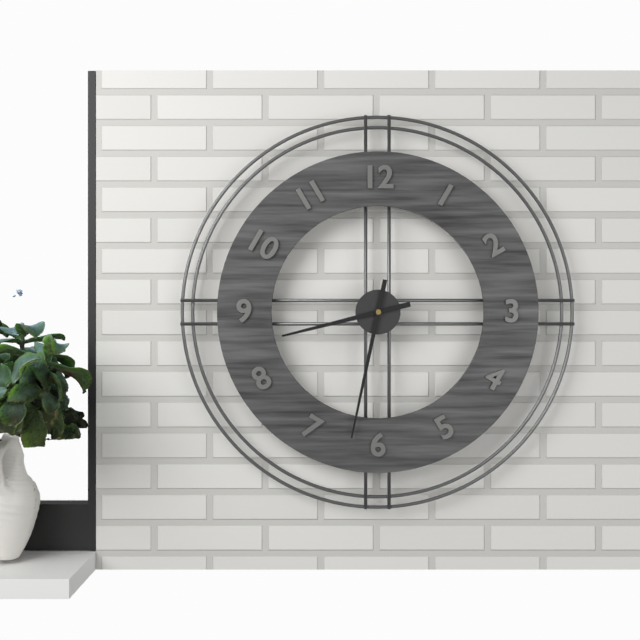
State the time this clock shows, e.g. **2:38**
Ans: **8:32**
